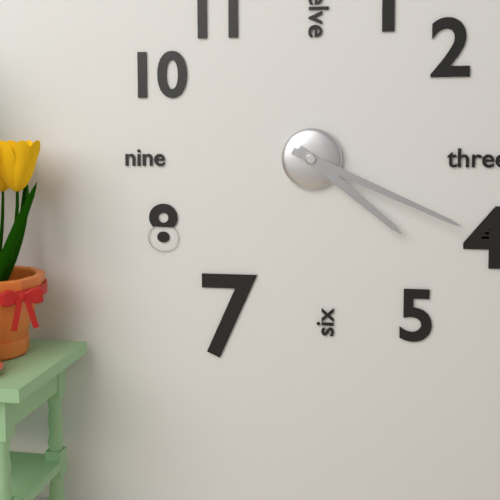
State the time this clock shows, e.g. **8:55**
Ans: **4:19**
